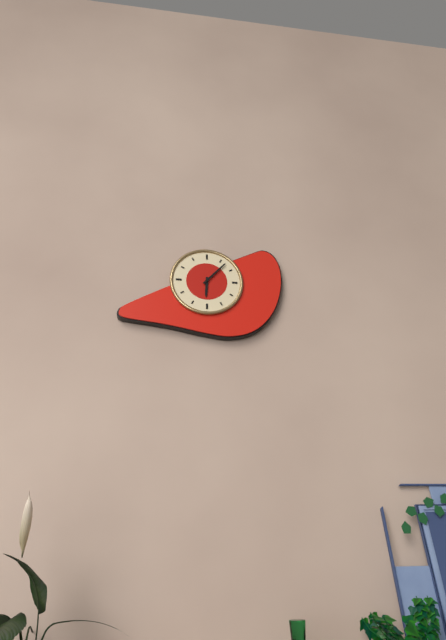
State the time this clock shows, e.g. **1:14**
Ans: **6:07**
